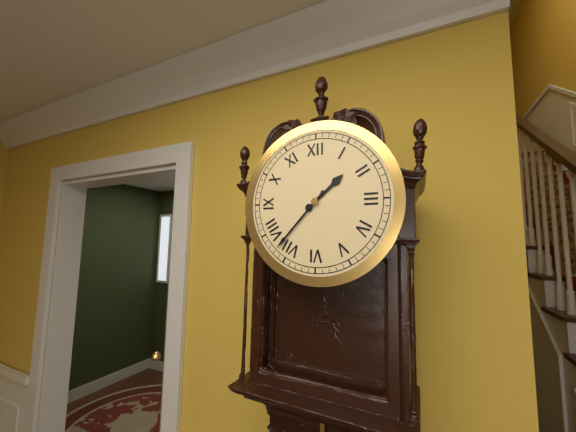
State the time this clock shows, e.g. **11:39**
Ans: **1:37**
